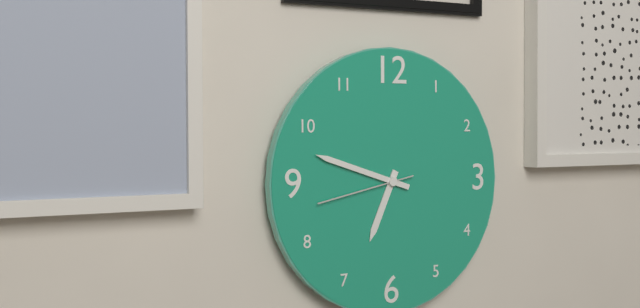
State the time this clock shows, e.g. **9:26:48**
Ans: **6:48:43**
